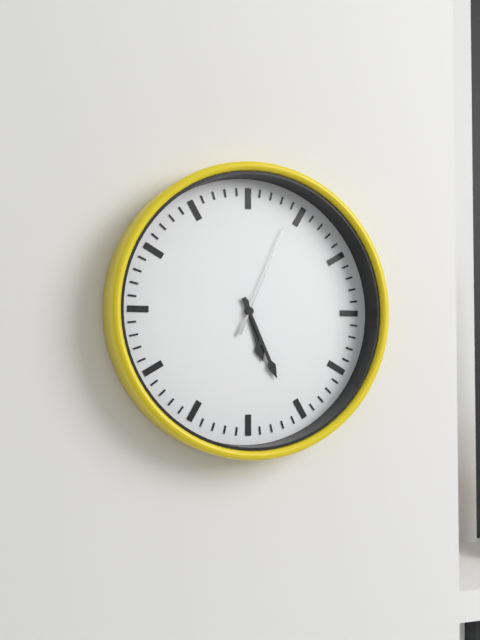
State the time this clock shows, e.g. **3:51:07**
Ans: **5:26:04**
